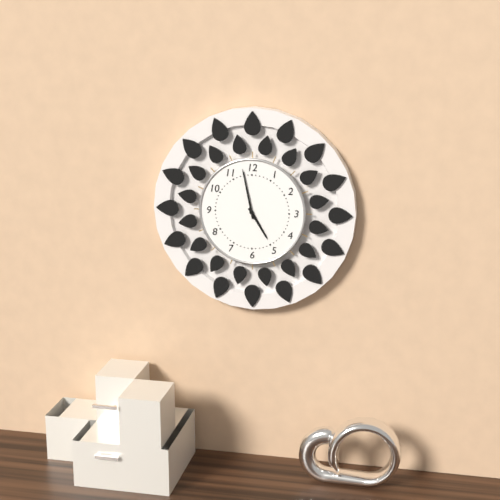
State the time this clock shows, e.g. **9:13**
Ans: **4:58**
